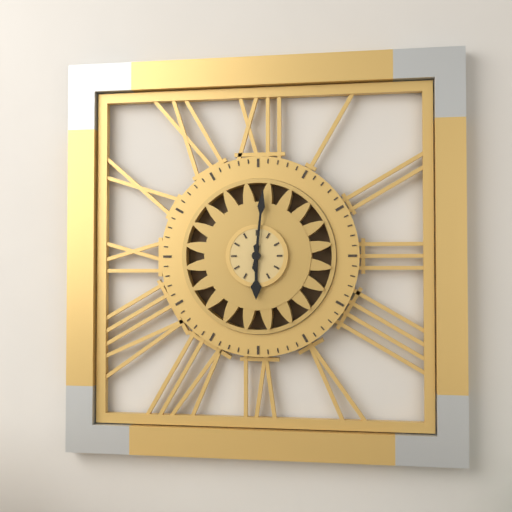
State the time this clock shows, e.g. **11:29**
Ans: **6:01**
